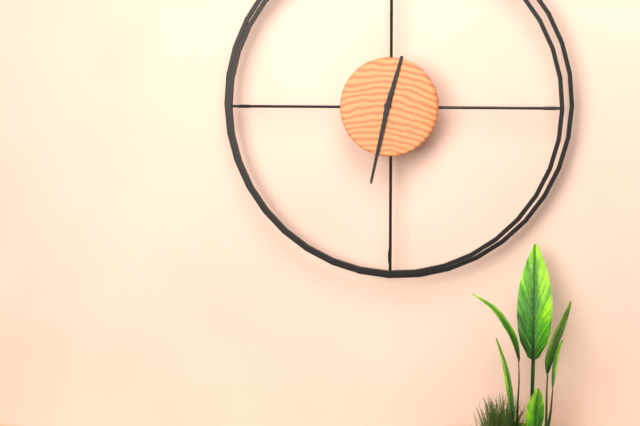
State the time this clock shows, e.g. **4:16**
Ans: **12:32**
